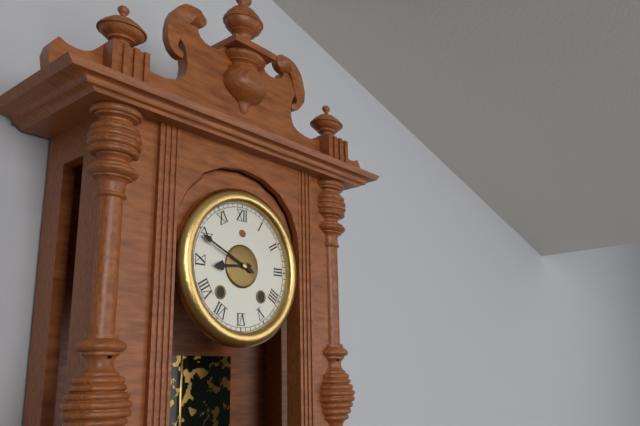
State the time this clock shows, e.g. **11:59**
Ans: **8:49**
